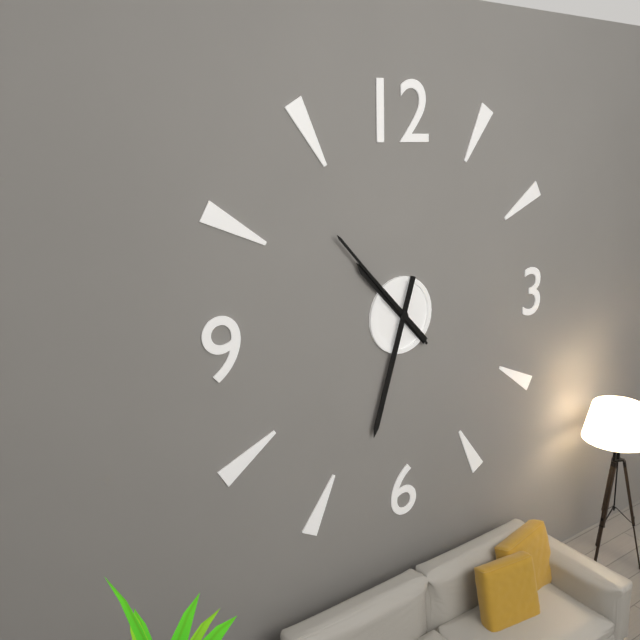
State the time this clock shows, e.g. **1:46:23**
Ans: **10:33:53**
